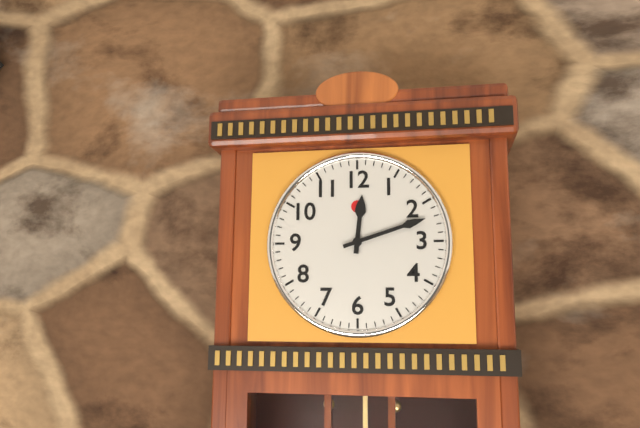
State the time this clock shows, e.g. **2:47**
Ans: **12:12**
